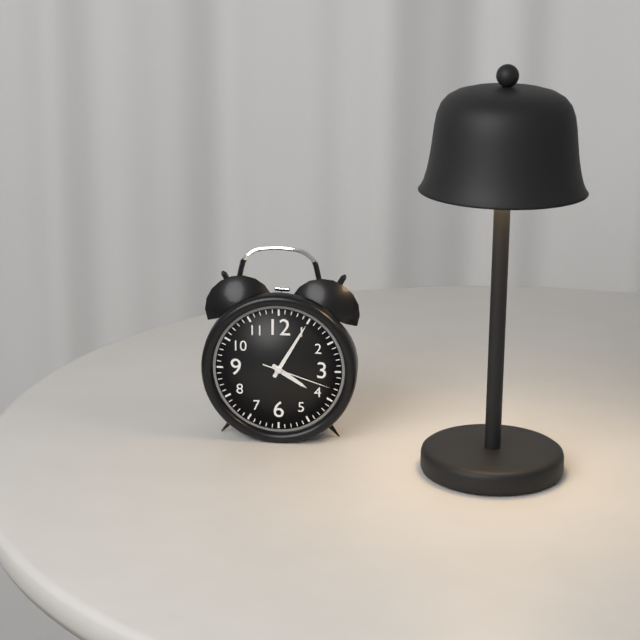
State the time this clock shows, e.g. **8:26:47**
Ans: **4:05:18**
